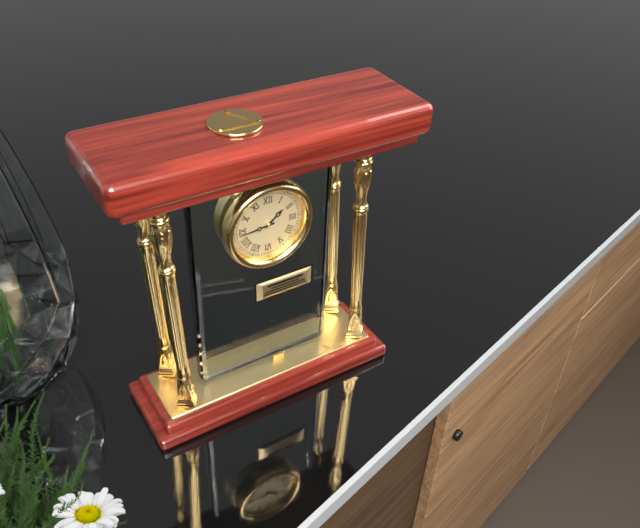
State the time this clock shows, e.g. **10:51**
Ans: **1:44**
